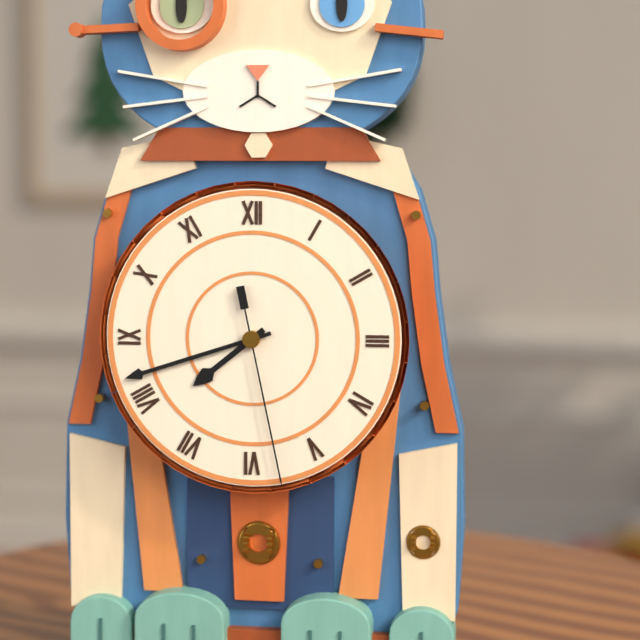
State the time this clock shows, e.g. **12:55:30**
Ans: **7:42:28**
